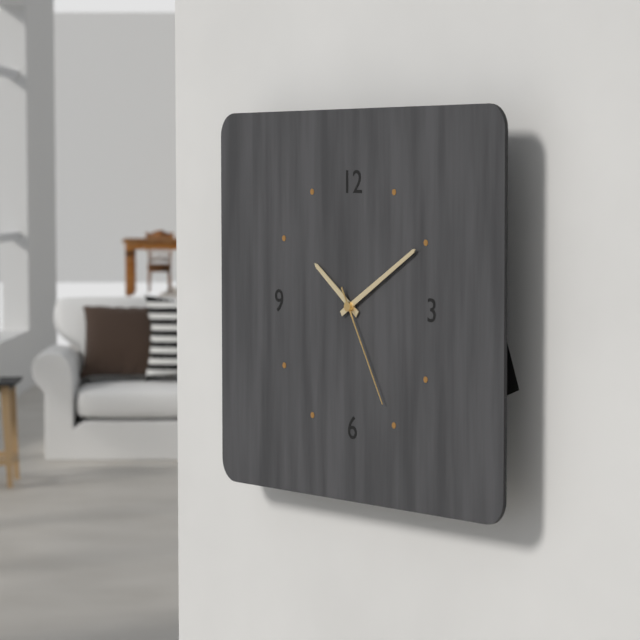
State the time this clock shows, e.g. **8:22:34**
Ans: **10:10:25**
